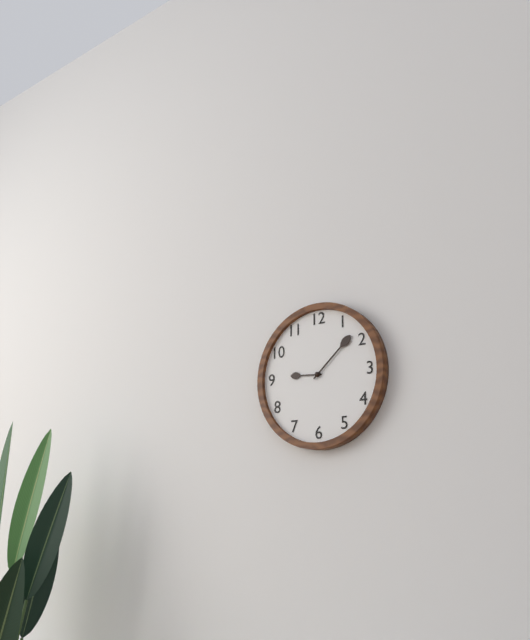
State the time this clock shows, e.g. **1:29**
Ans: **9:08**
